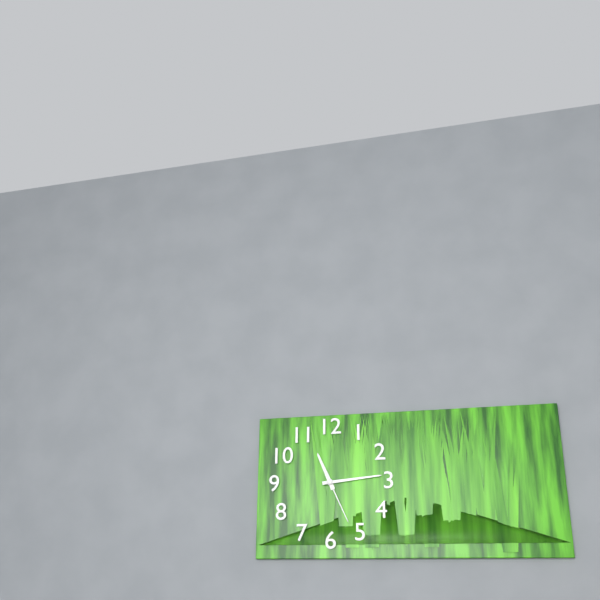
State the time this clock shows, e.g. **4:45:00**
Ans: **11:14:26**
